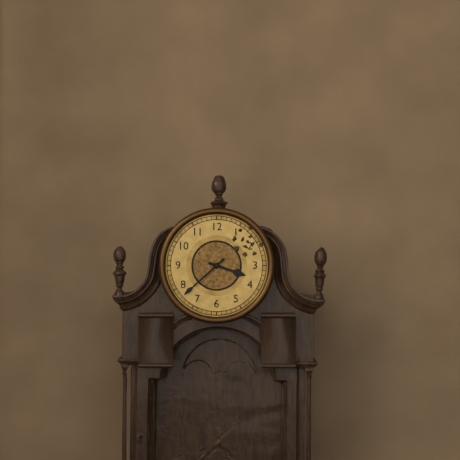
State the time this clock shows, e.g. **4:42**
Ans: **3:38**
